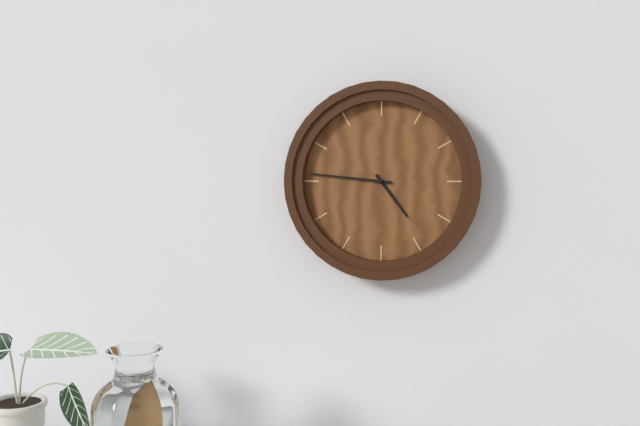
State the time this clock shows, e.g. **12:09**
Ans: **4:46**
